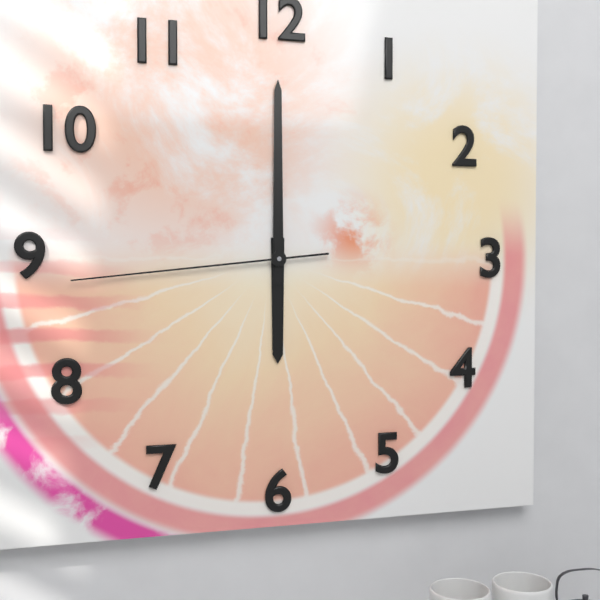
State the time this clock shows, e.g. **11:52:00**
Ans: **6:00:44**
